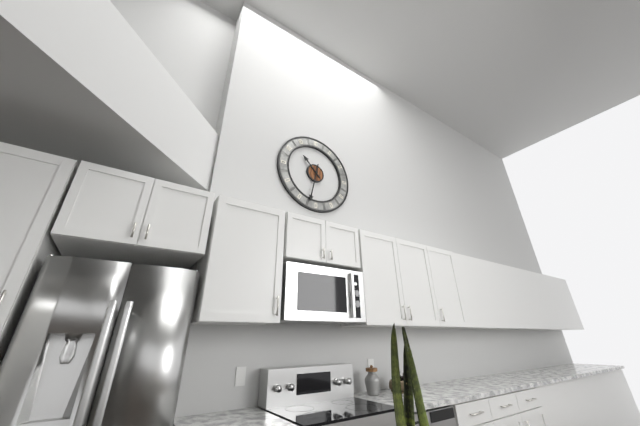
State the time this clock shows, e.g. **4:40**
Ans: **10:32**
